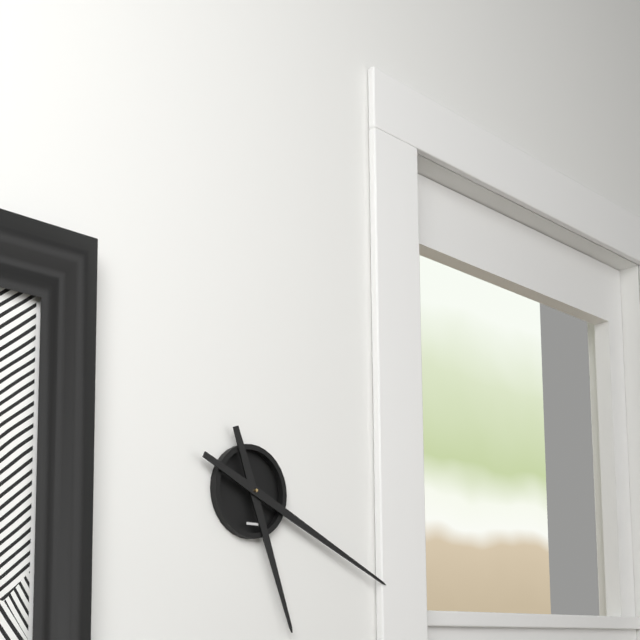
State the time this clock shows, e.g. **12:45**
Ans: **5:19**
